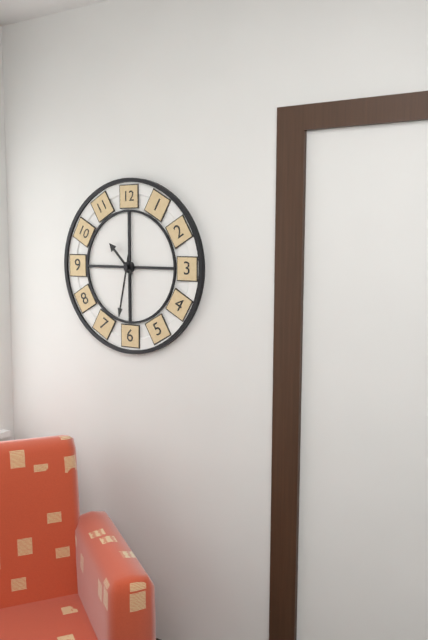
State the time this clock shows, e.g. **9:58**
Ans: **10:32**
